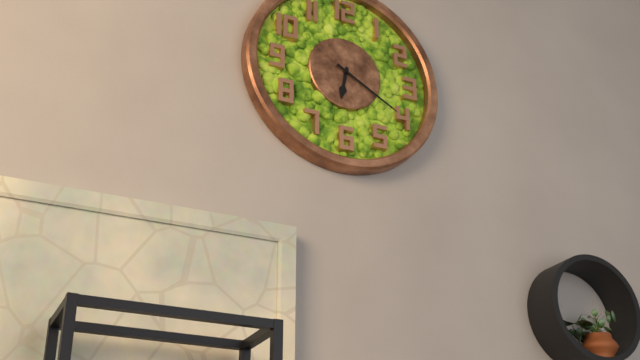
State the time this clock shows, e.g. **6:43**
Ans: **6:20**
